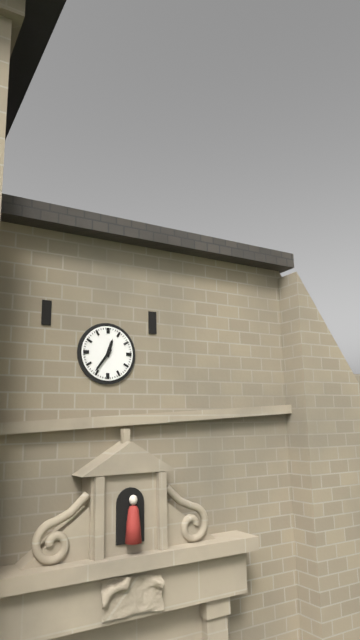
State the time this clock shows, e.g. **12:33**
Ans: **12:36**
